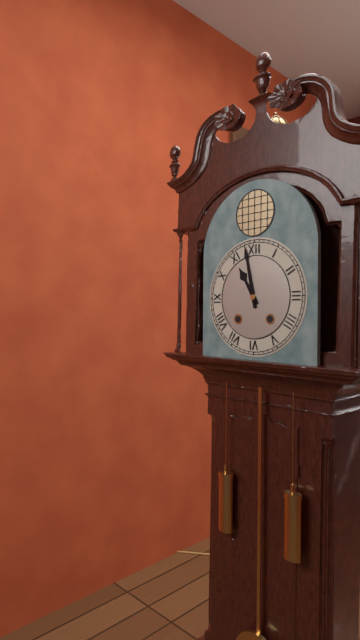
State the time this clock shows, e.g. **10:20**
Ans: **10:58**
